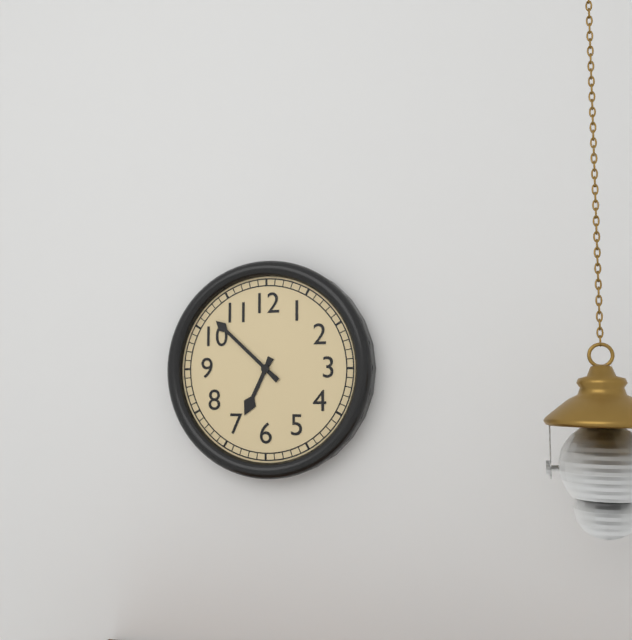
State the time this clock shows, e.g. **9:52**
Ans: **6:52**
